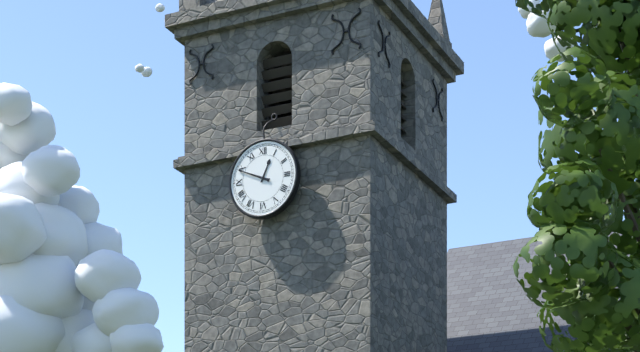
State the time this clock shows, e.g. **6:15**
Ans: **12:49**
